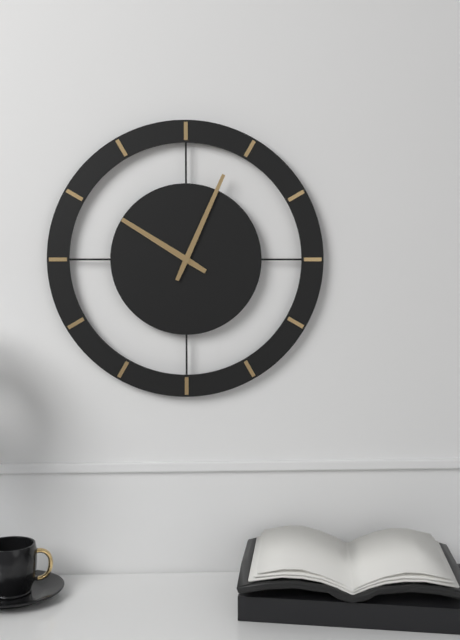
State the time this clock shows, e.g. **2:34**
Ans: **10:04**
